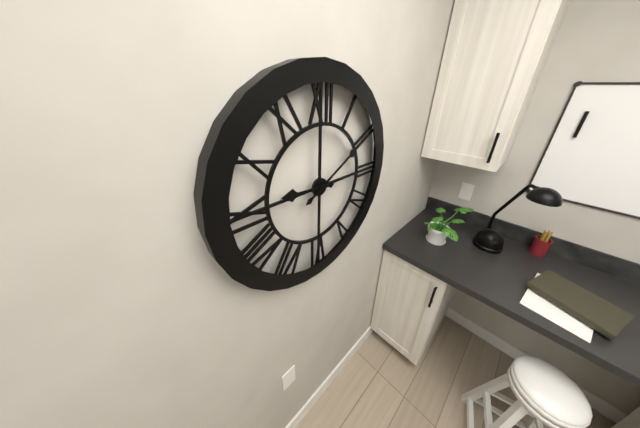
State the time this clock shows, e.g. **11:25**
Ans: **9:10**
